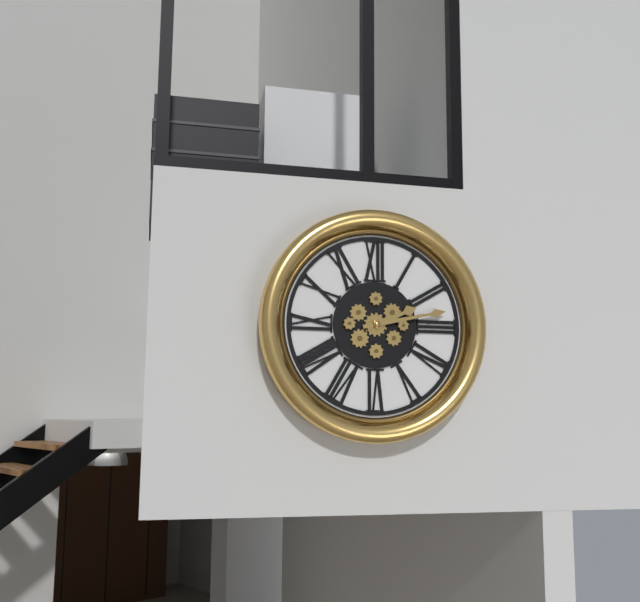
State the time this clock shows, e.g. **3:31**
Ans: **2:13**
